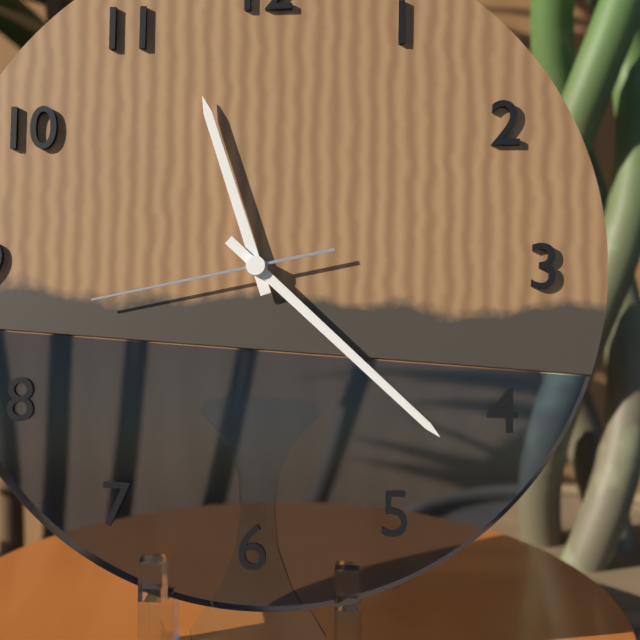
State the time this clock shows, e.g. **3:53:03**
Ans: **11:22:43**
